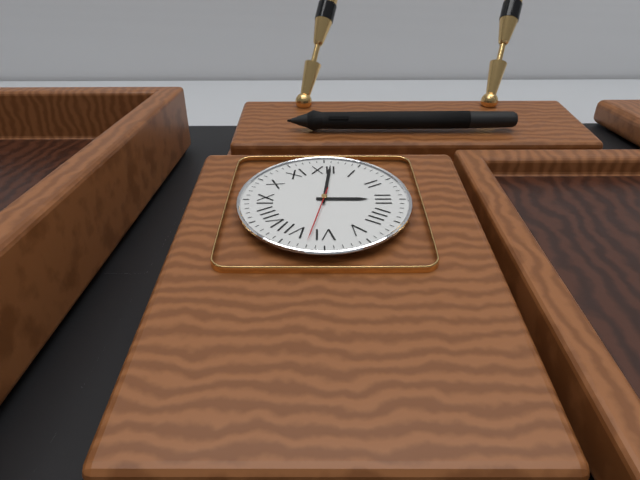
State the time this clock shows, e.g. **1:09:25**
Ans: **3:01:32**
